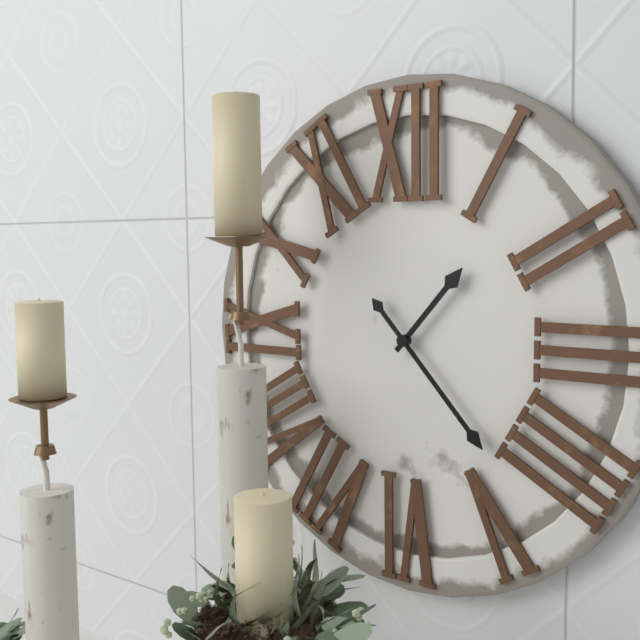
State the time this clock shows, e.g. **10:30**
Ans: **1:23**
